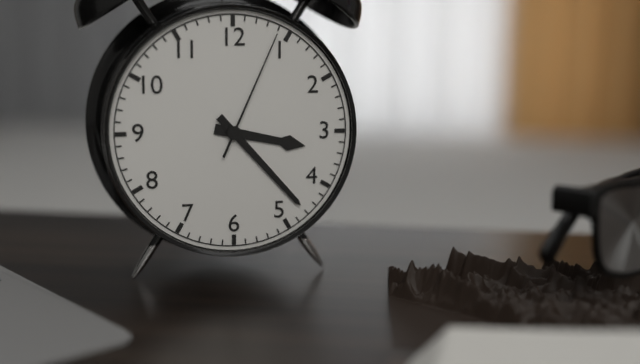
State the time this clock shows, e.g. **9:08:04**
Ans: **3:23:04**
